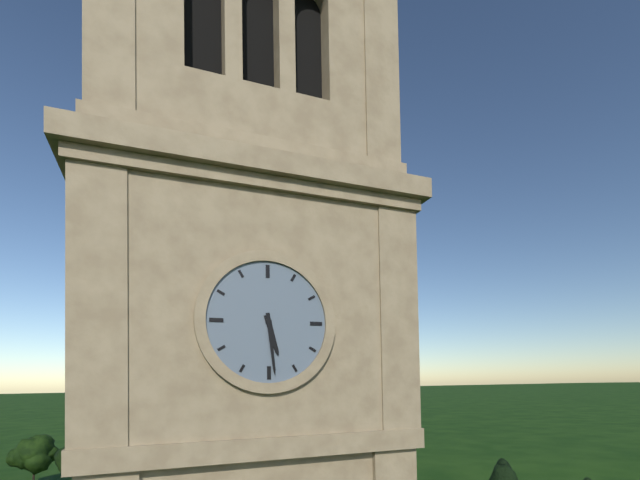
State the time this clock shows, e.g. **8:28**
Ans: **5:29**
